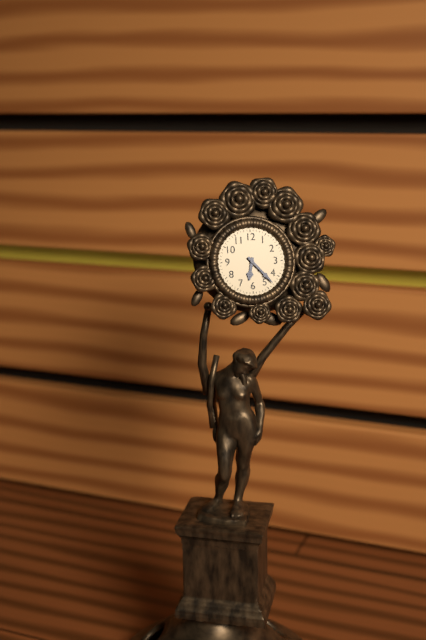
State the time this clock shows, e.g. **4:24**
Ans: **6:23**
